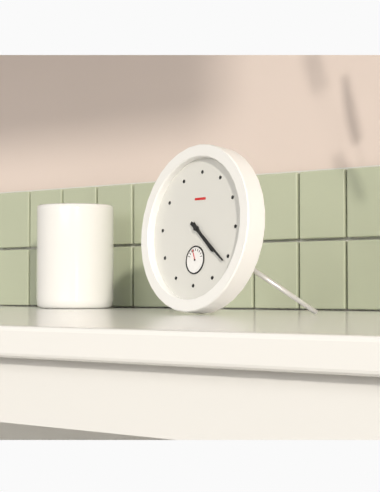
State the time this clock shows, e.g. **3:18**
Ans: **4:21**
